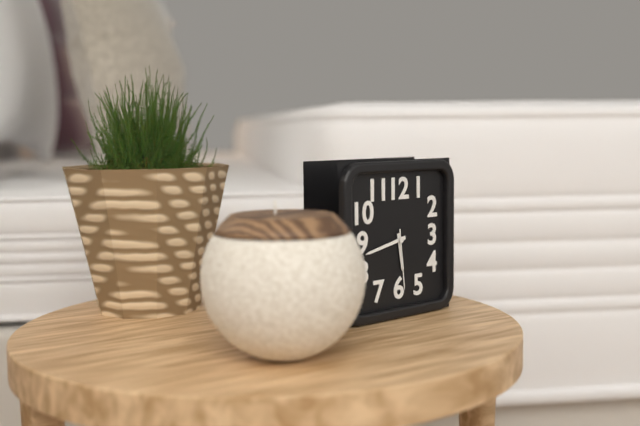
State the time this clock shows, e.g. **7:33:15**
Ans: **5:43:29**
